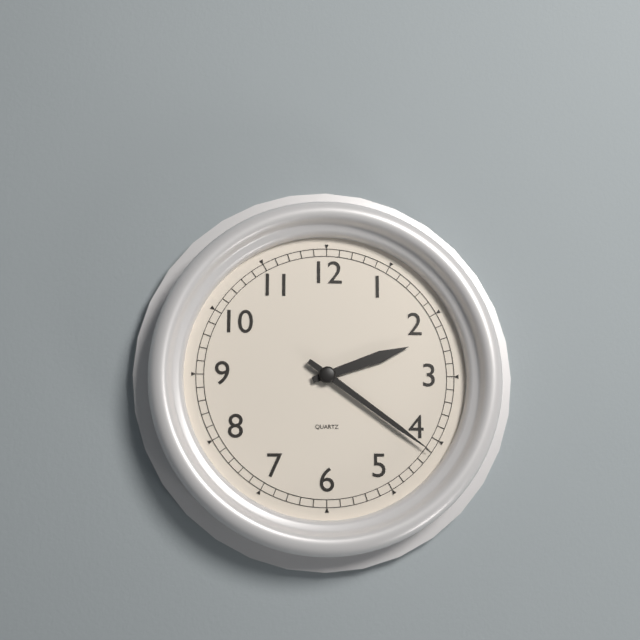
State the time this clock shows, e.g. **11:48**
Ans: **2:21**
